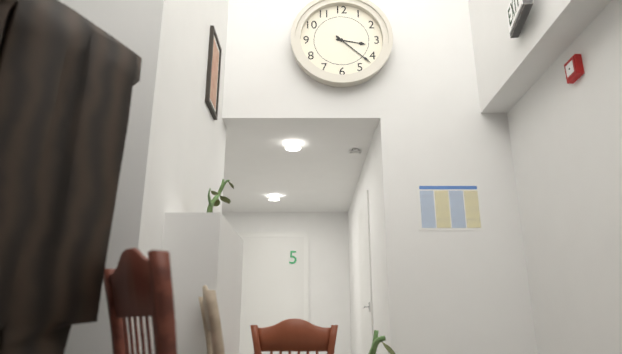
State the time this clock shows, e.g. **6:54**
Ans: **3:22**
